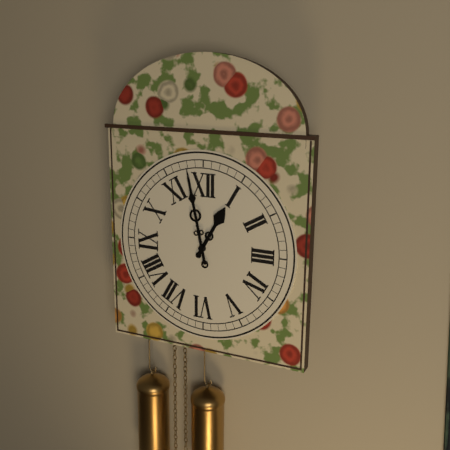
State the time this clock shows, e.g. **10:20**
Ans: **12:58**
